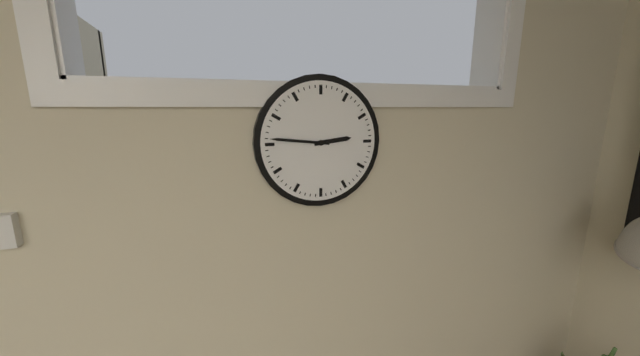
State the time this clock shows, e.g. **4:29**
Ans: **2:46**
